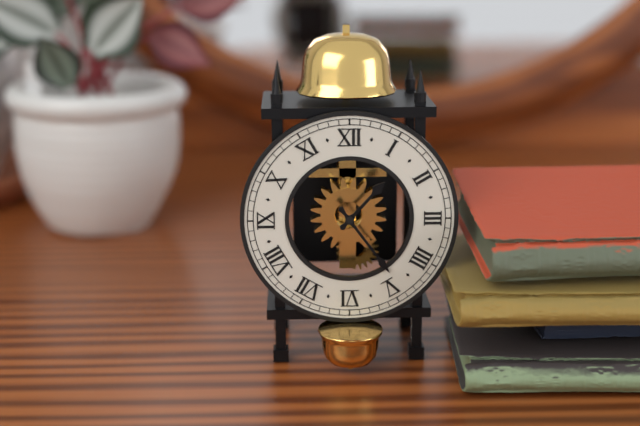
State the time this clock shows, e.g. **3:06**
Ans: **1:24**
